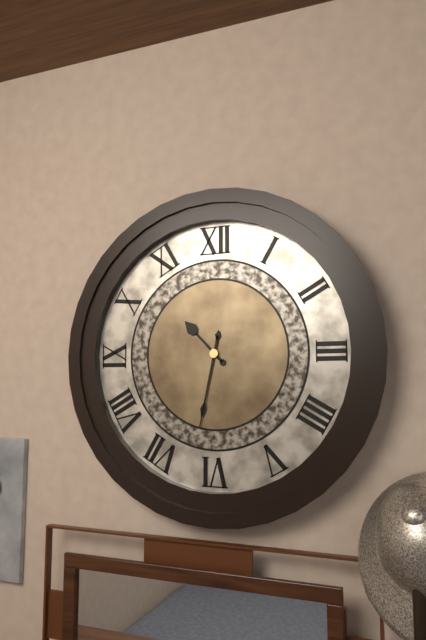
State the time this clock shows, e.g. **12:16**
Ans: **10:32**
